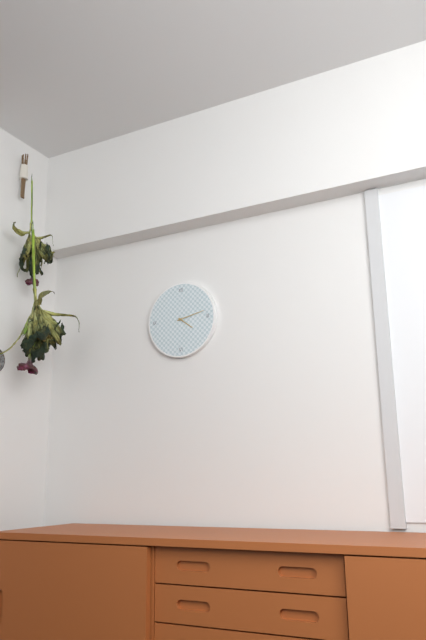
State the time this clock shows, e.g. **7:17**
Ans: **4:13**
